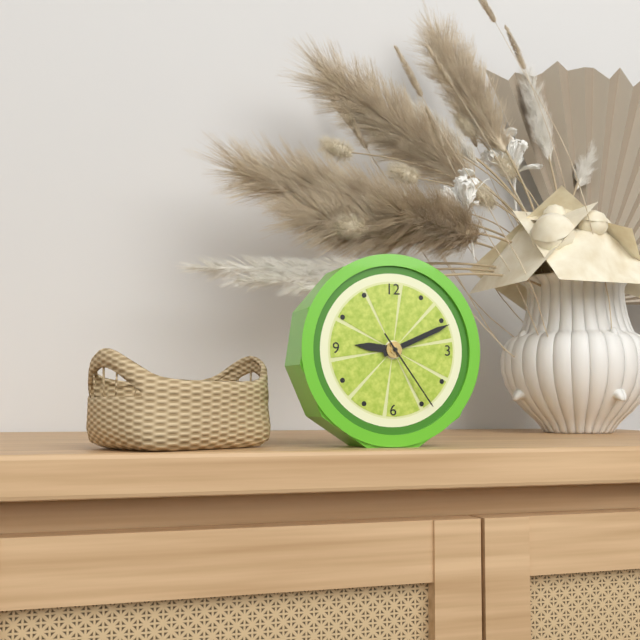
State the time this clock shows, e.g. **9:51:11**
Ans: **9:11:24**
